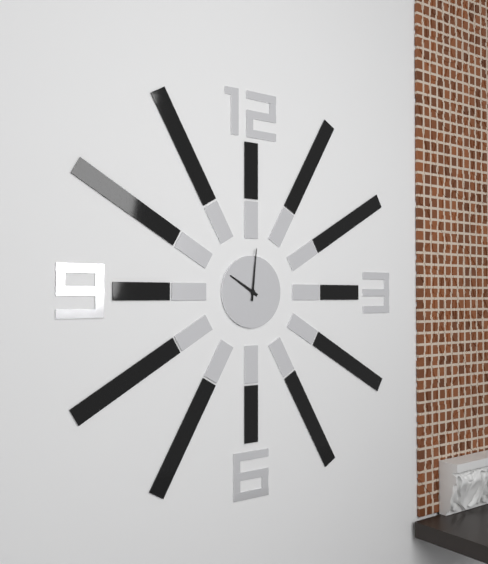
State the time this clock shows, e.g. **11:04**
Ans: **10:01**
